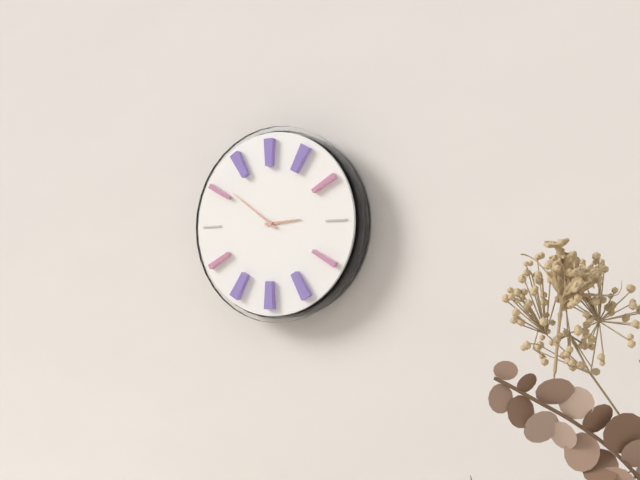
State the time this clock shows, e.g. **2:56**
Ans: **2:51**
